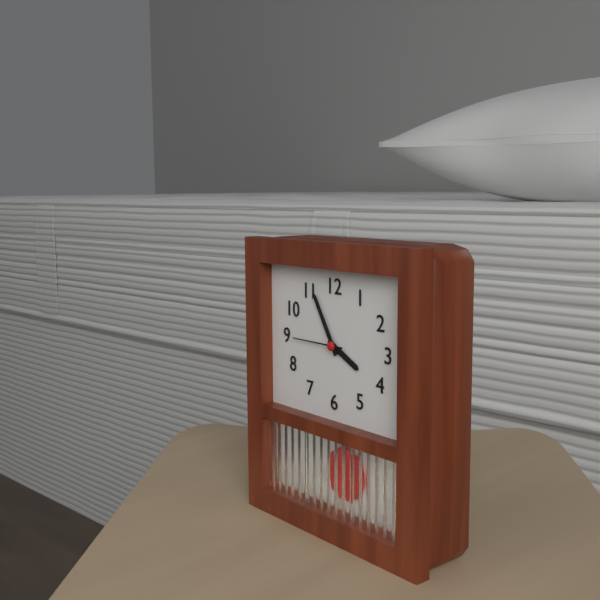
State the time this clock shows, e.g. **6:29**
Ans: **3:55**
